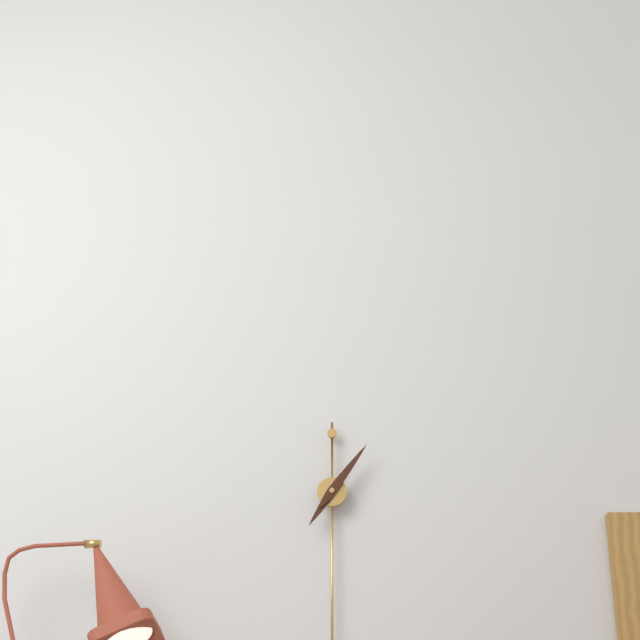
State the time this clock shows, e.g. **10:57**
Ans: **7:06**
